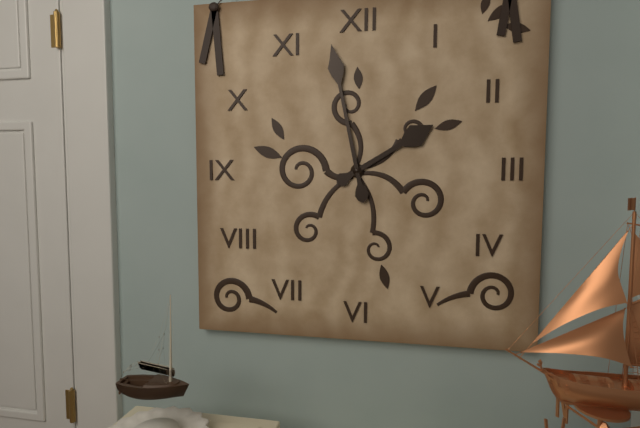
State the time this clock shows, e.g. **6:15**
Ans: **1:58**
